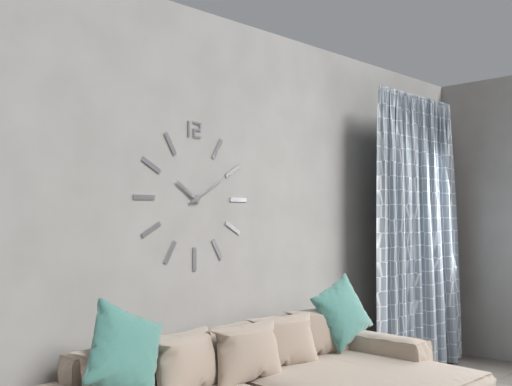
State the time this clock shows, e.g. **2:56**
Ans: **10:10**
